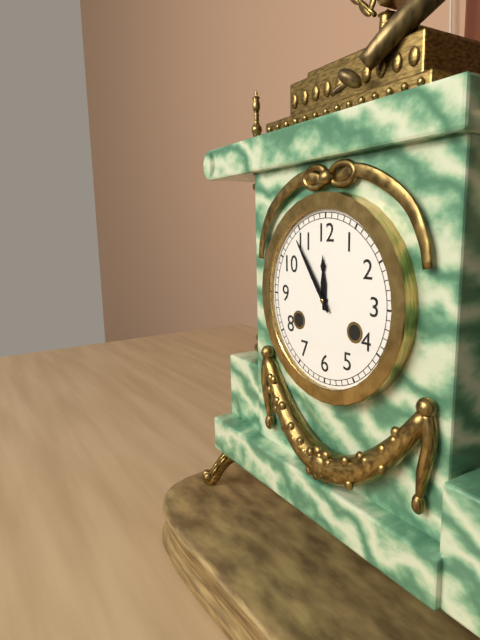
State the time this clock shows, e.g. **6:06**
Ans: **11:54**
